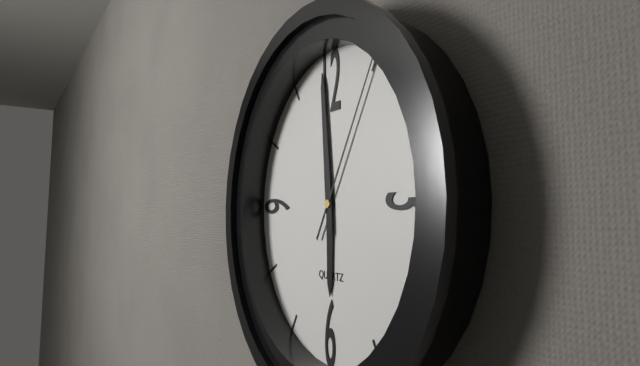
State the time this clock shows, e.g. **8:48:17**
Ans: **5:59:05**
